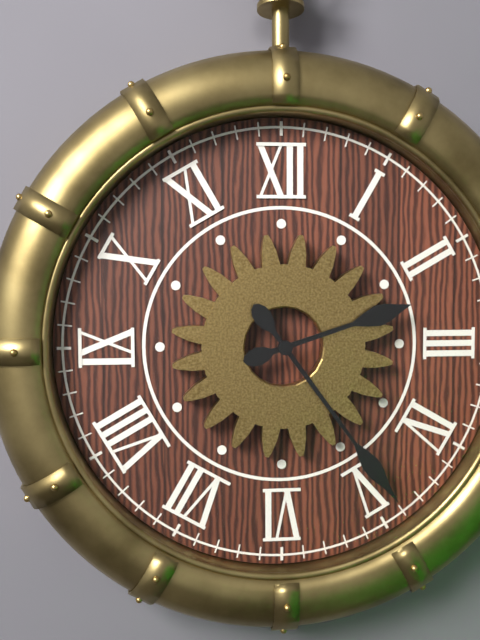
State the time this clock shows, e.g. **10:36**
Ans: **2:24**
